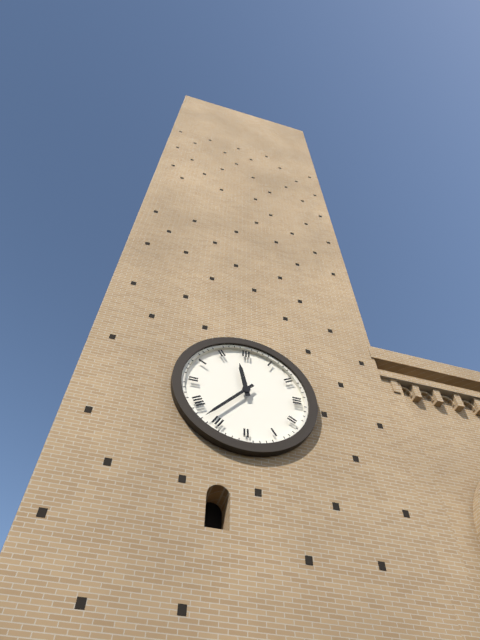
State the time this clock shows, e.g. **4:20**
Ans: **11:37**
